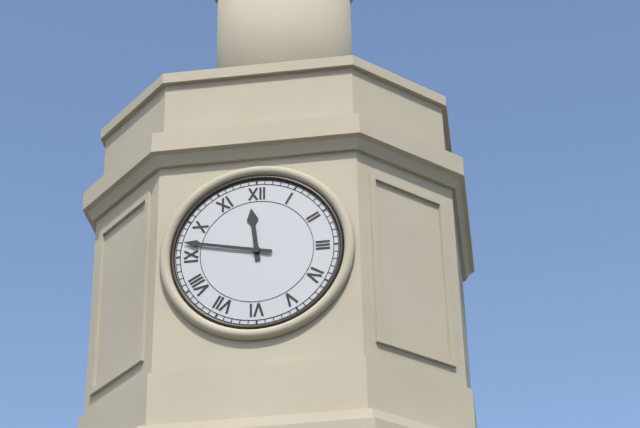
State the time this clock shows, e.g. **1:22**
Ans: **11:47**
